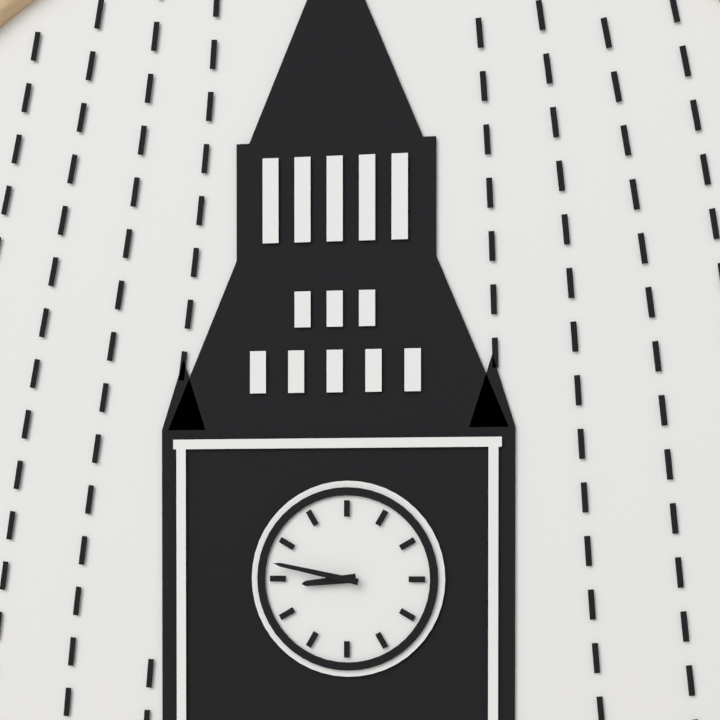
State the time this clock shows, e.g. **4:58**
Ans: **8:47**
